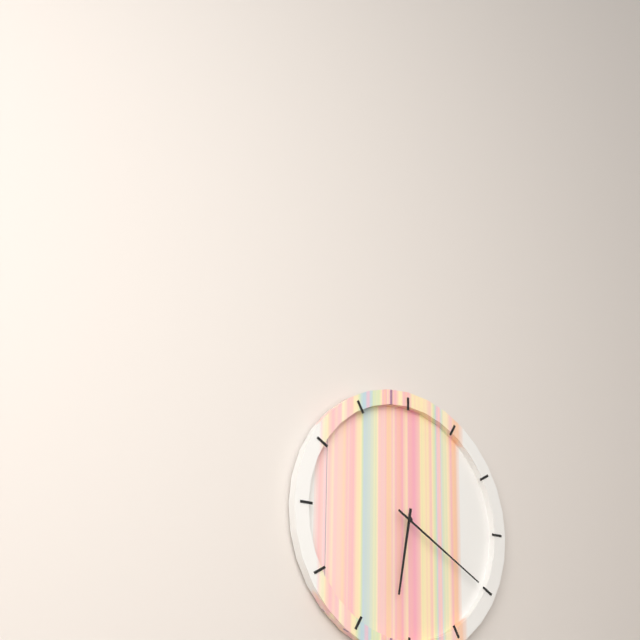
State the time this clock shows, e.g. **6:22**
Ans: **6:20**
